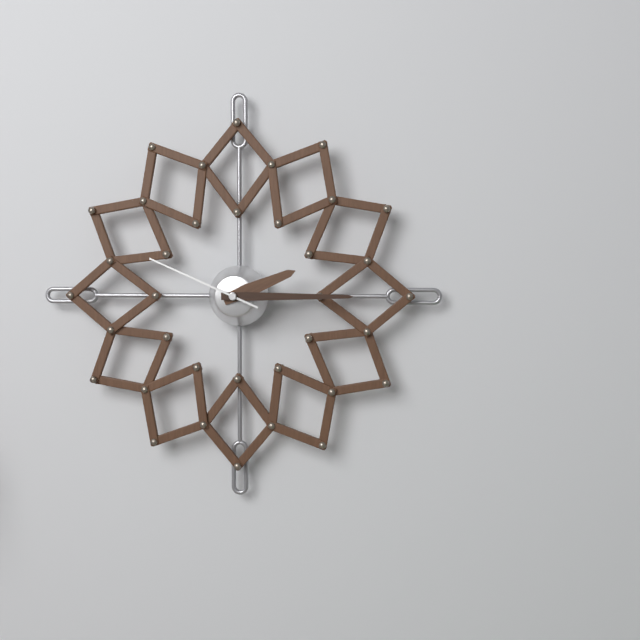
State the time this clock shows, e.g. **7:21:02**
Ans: **2:15:49**
